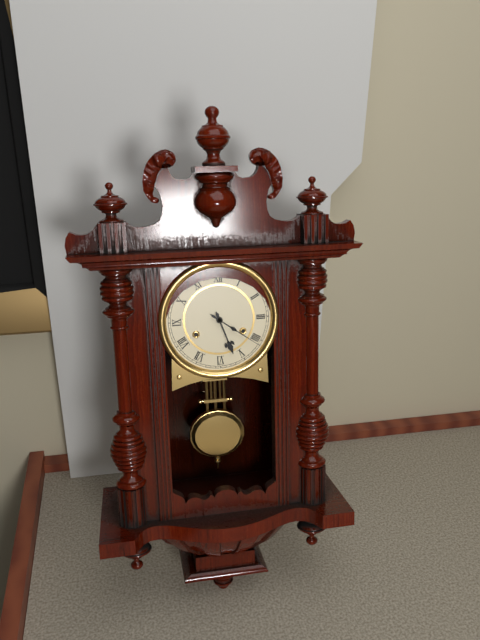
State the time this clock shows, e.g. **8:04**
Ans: **5:21**
